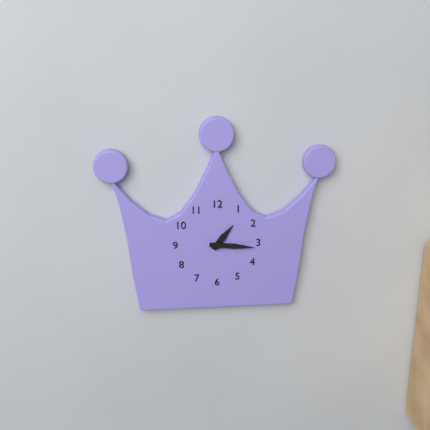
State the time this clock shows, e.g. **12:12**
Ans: **1:16**
